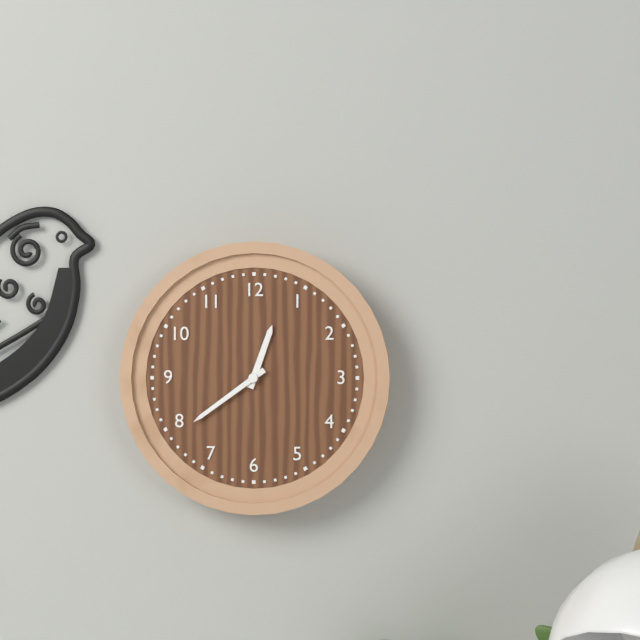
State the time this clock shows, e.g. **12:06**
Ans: **12:39**
